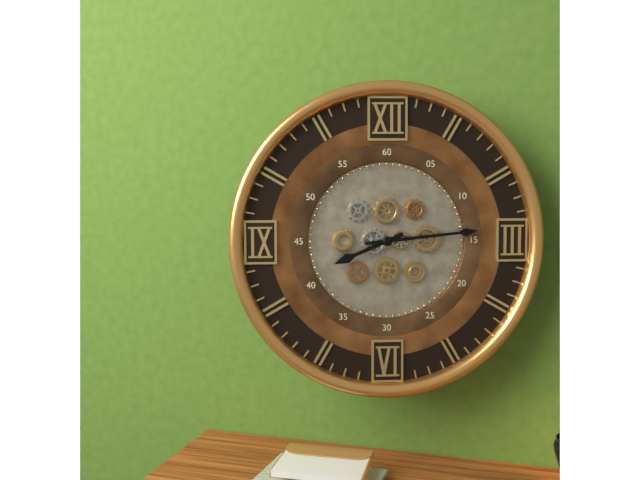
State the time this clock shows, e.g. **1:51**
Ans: **8:14**
